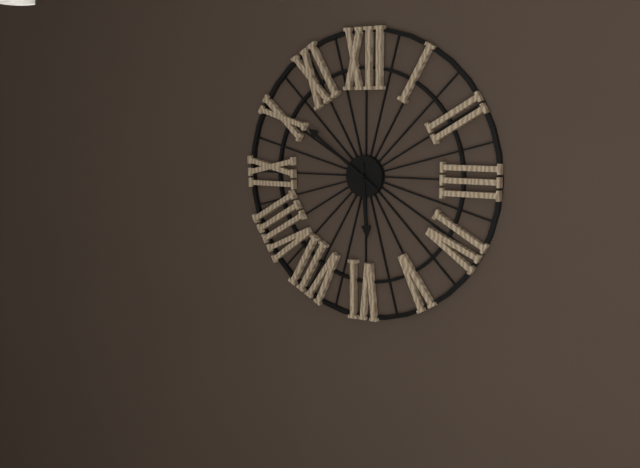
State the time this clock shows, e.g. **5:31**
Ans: **5:51**
